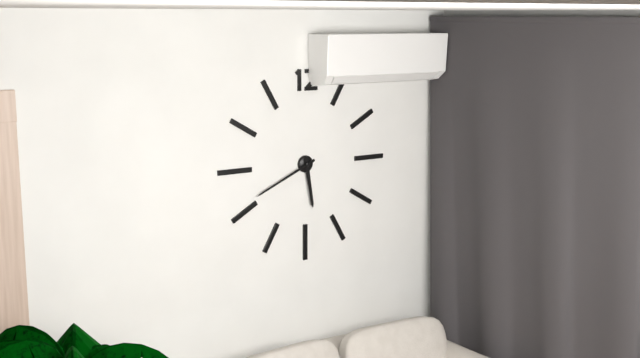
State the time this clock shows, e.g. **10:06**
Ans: **5:41**
